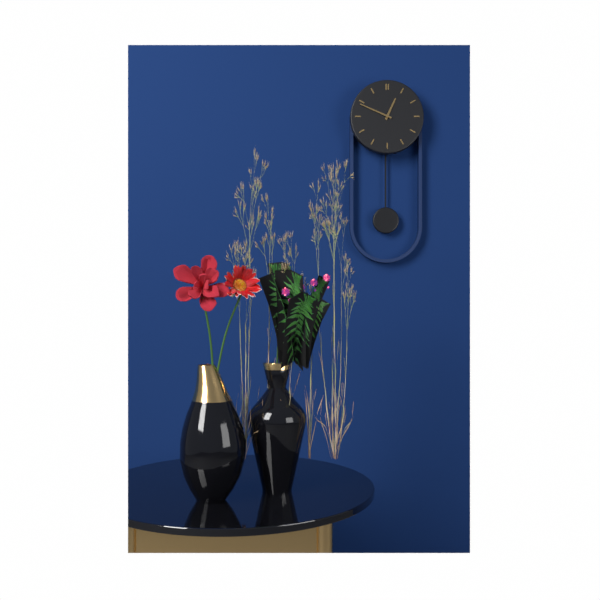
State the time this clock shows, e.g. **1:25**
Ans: **12:49**
